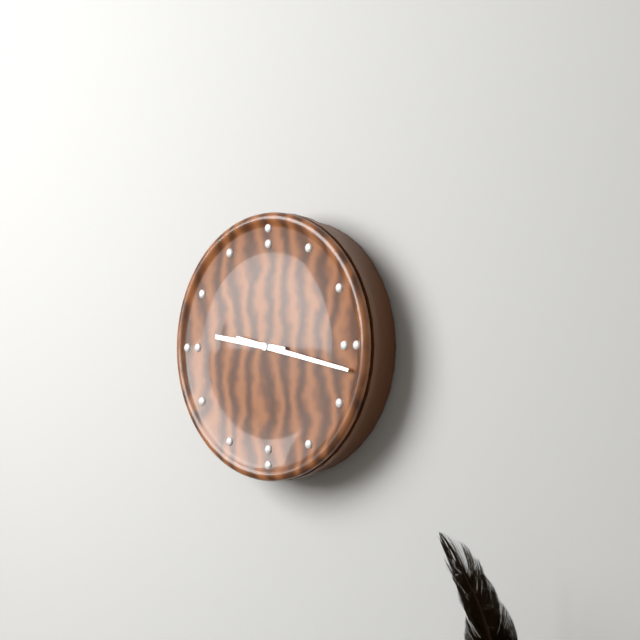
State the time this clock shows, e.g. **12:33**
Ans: **9:17**
